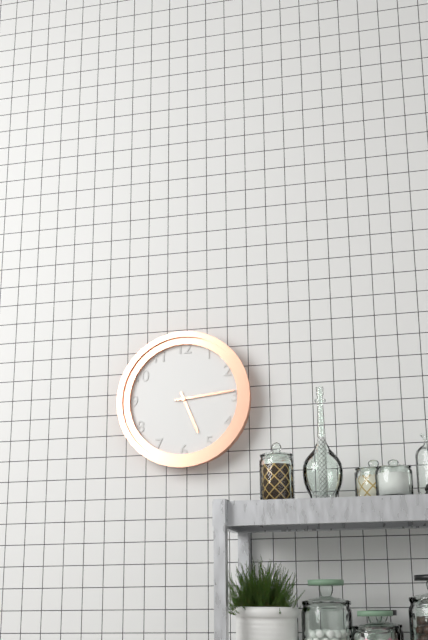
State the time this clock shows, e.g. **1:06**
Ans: **5:14**
